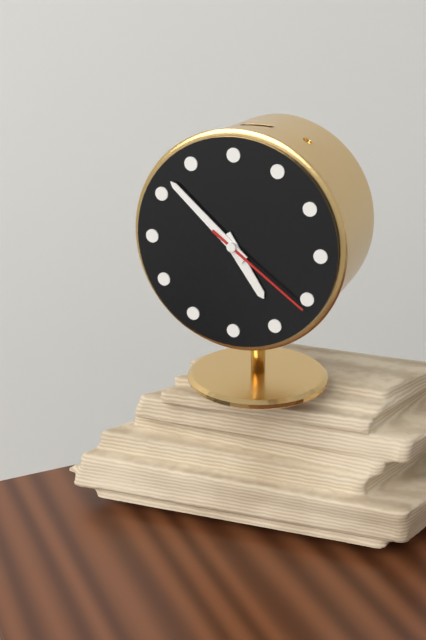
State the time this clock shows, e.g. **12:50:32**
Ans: **4:52:21**
